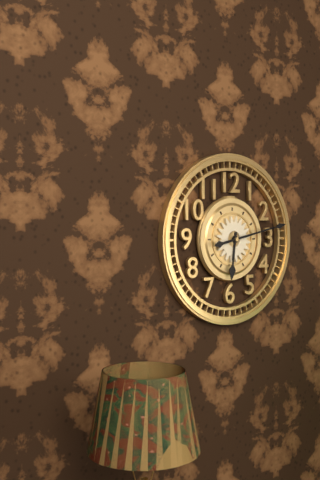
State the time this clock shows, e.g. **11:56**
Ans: **6:13**
